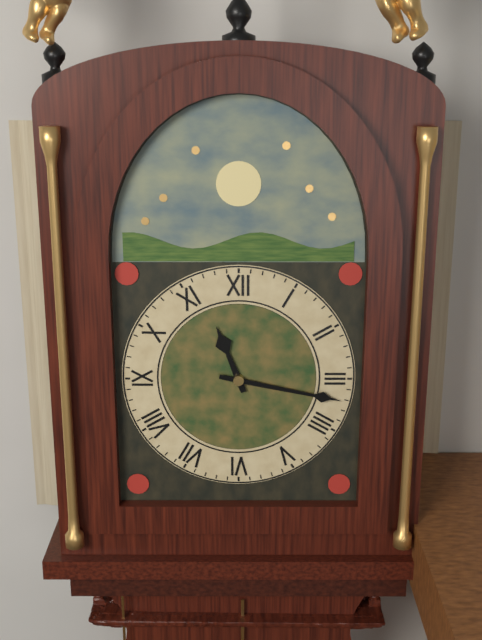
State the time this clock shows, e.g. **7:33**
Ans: **11:17**
